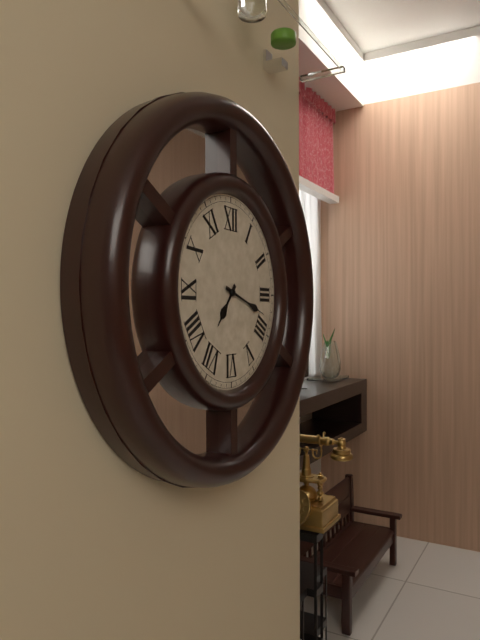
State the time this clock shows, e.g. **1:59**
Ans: **7:18**
